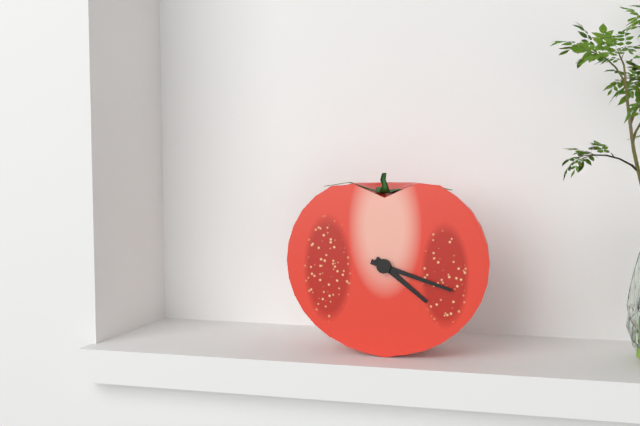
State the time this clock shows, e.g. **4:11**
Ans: **4:18**
